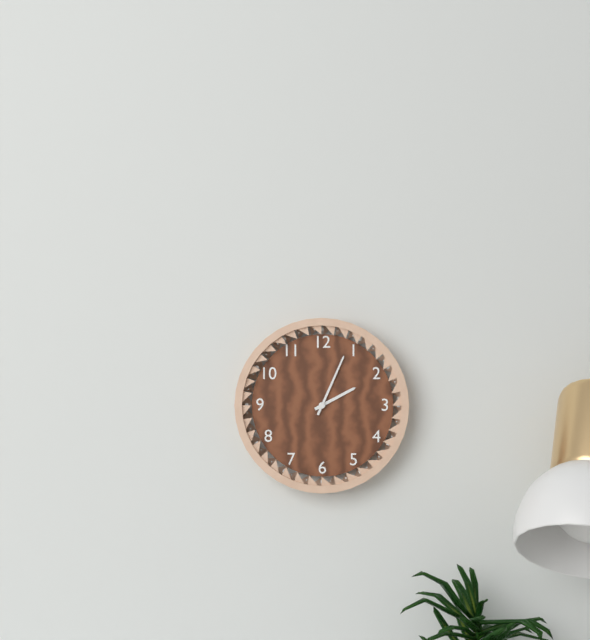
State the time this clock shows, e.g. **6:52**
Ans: **2:04**
